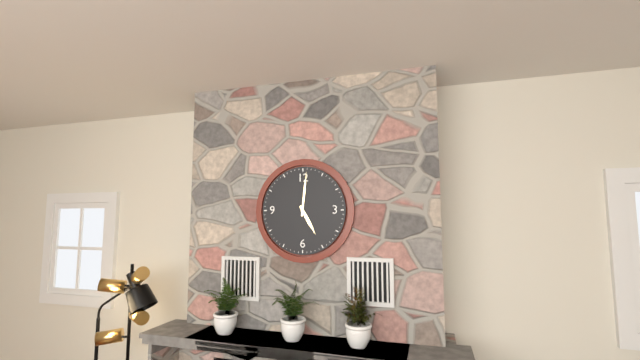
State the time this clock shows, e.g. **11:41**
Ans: **5:01**
